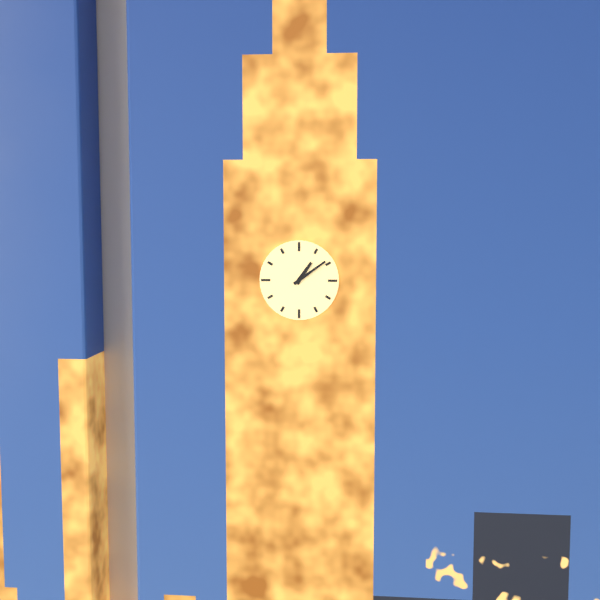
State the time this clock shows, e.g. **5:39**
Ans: **1:09**
